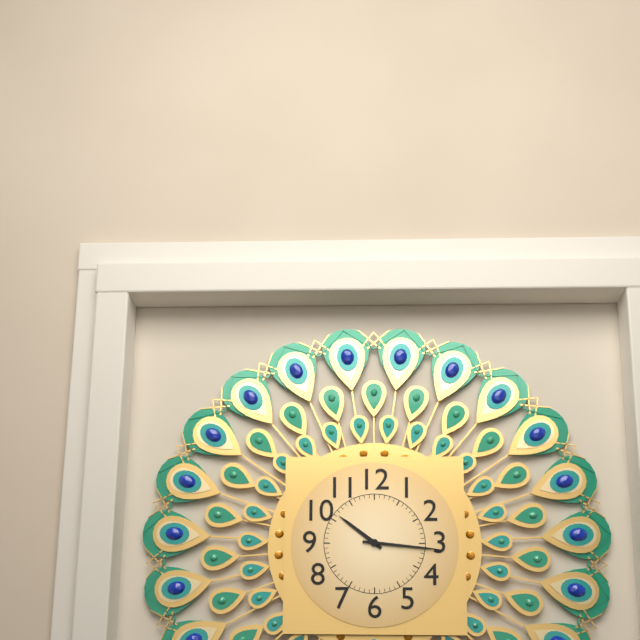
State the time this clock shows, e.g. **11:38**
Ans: **10:16**
